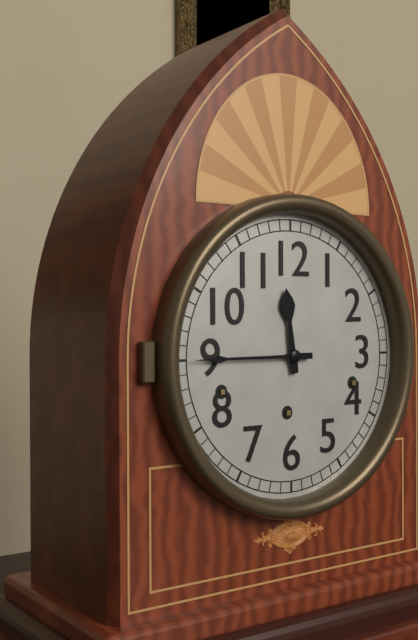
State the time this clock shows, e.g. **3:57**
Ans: **11:45**
